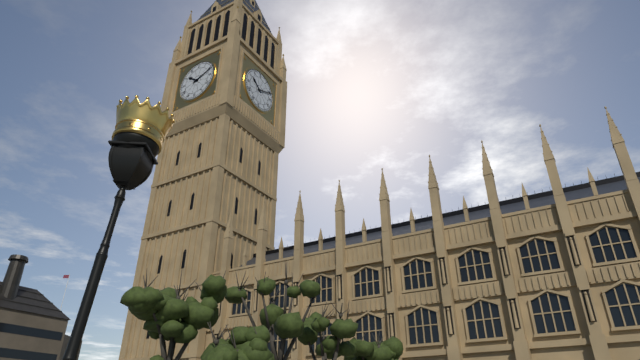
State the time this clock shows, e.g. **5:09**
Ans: **10:11**
